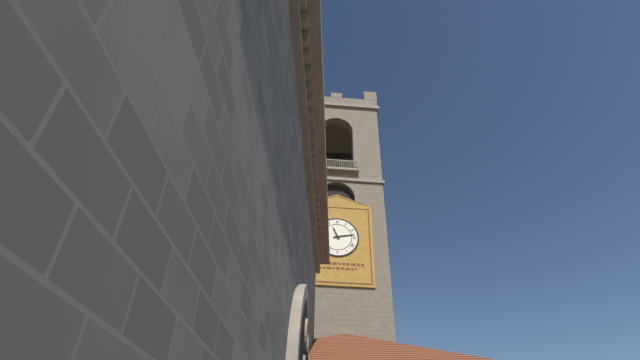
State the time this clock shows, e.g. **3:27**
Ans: **11:13**
